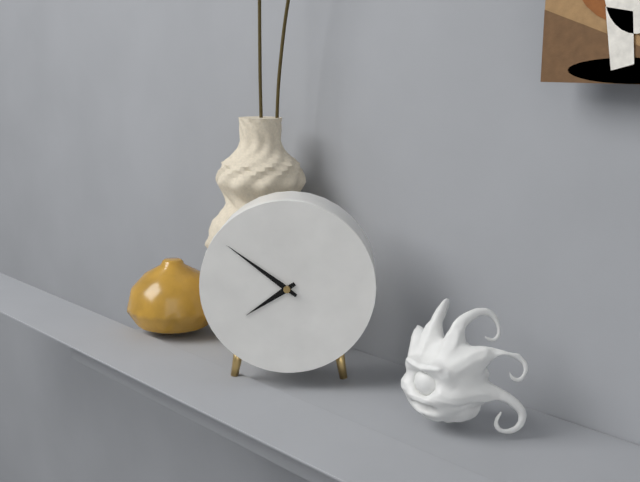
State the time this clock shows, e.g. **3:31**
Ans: **7:51**
